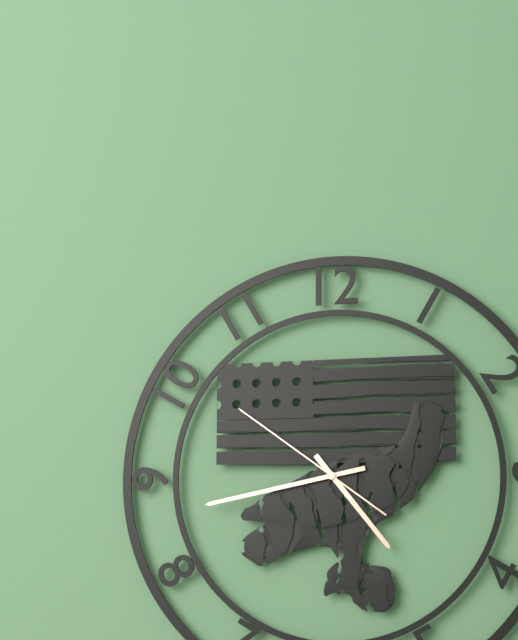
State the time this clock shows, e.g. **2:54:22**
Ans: **4:43:51**
